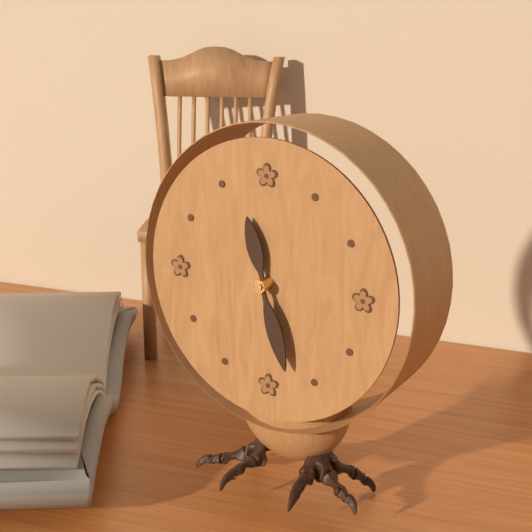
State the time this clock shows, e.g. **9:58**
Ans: **11:27**
